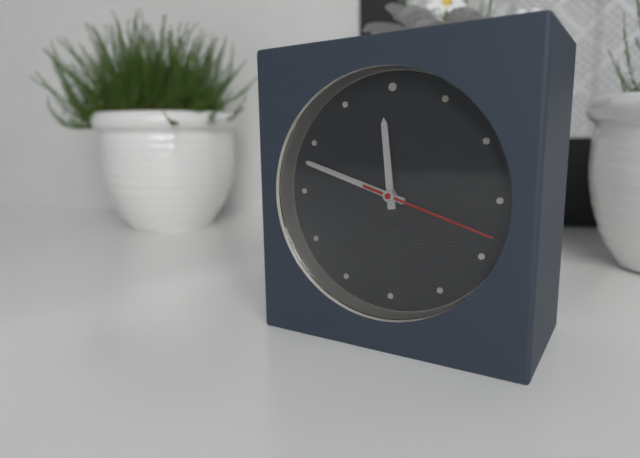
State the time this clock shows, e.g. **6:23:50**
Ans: **11:48:18**
